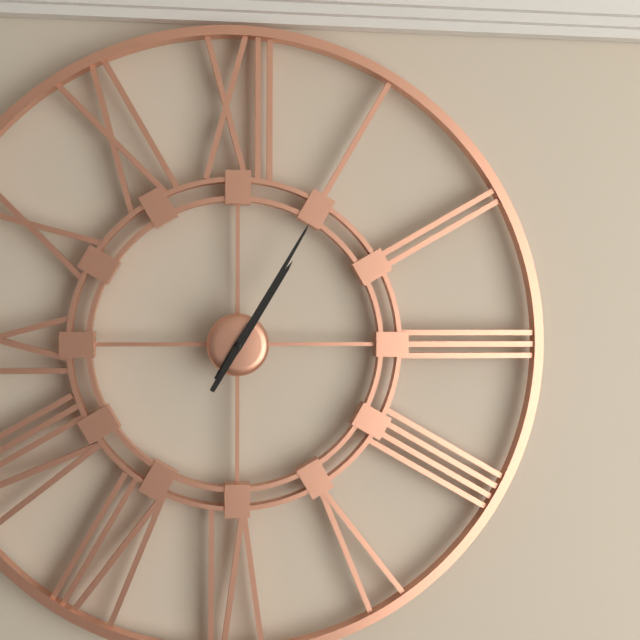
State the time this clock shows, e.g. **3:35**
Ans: **1:05**
